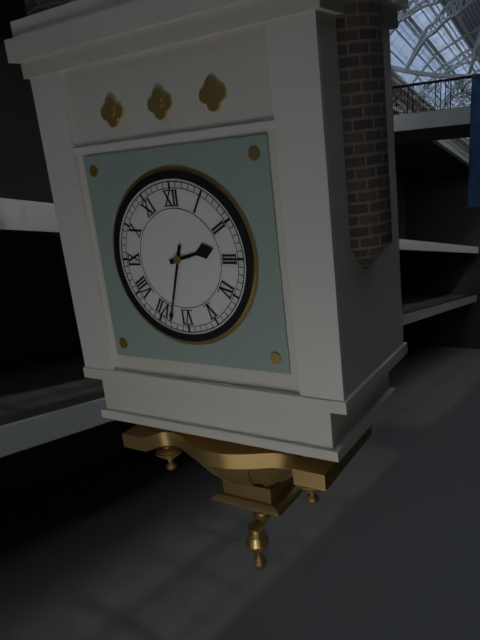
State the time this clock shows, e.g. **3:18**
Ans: **2:33**
